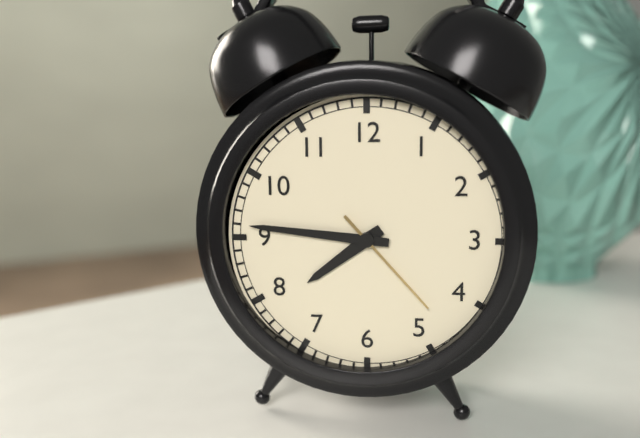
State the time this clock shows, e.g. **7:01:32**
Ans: **7:46:23**
